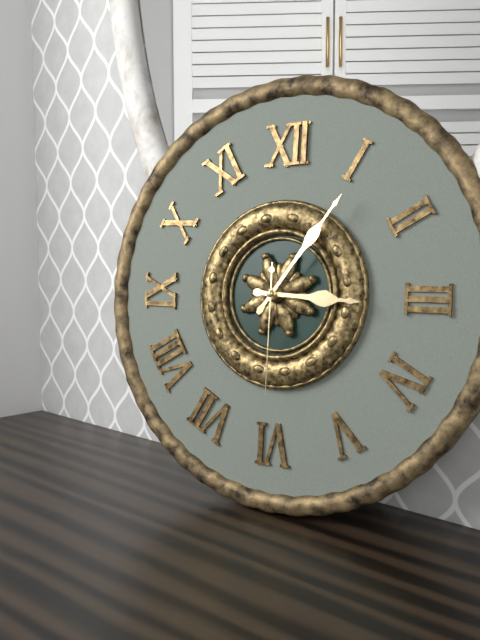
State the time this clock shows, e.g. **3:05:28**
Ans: **3:06:30**
